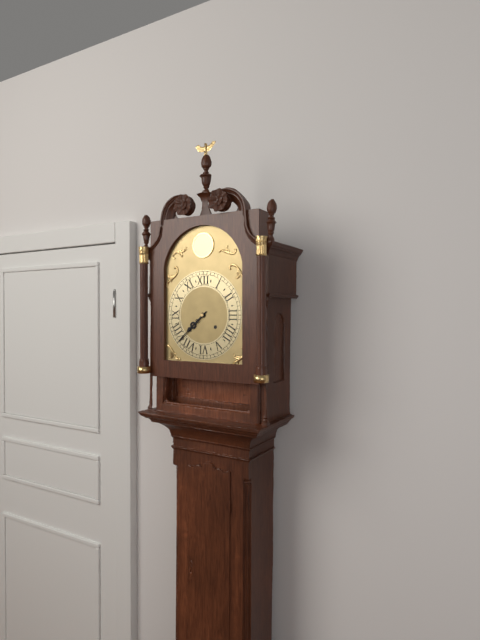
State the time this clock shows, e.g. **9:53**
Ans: **7:38**
